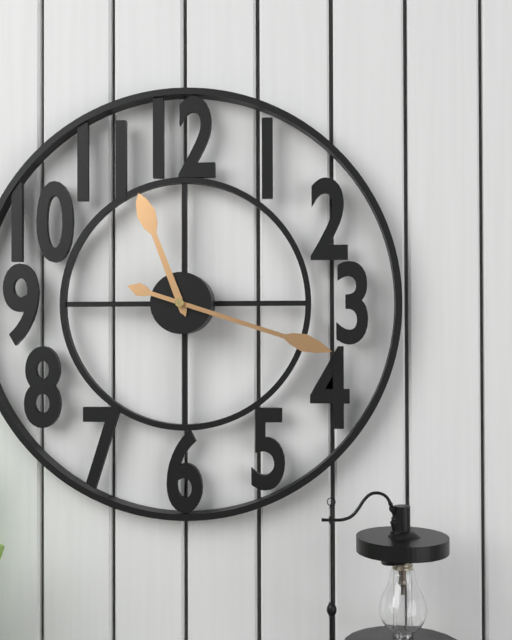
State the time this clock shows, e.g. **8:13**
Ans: **11:18**
